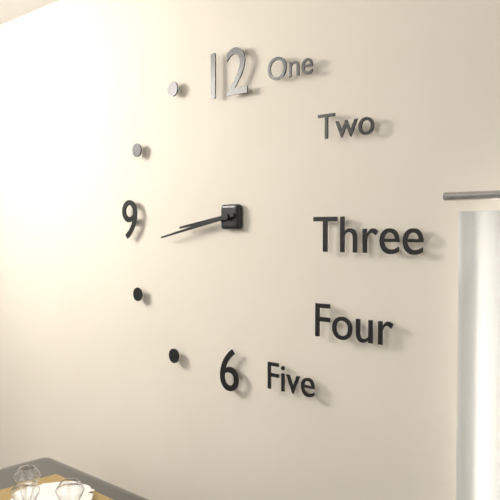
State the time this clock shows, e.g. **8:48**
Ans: **8:43**
